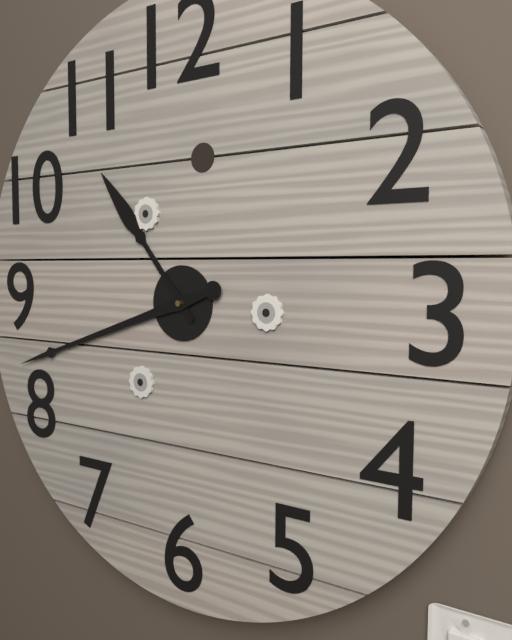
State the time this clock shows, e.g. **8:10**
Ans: **10:42**
